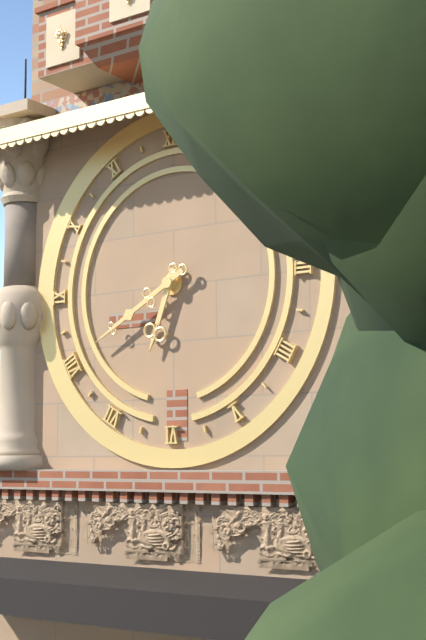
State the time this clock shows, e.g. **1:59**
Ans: **6:40**
